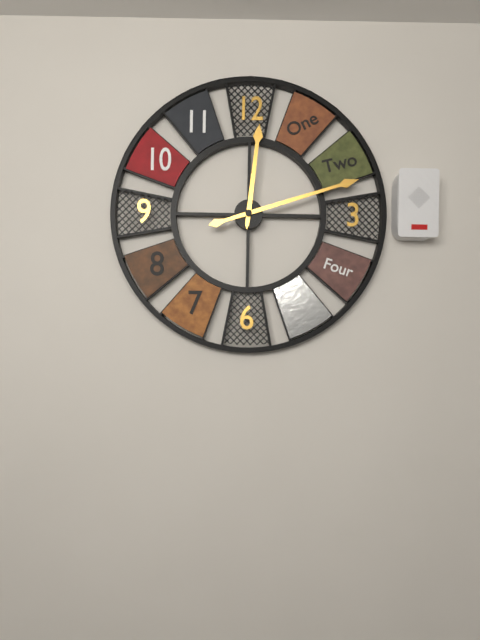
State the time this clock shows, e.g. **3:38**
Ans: **12:12**
